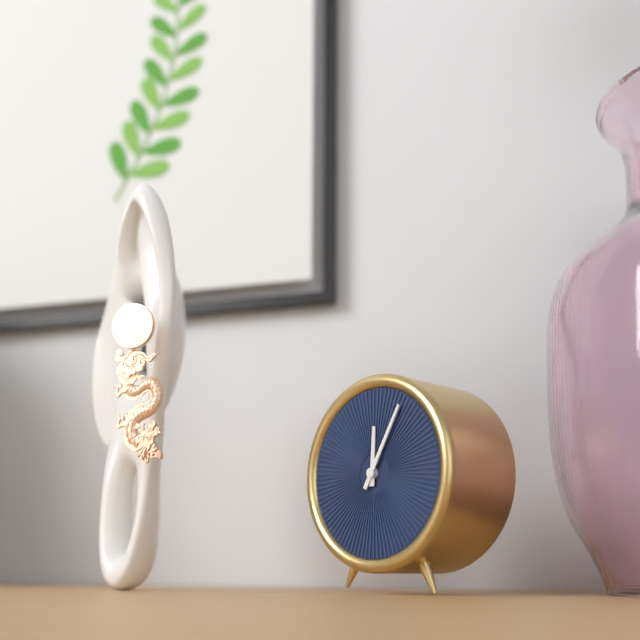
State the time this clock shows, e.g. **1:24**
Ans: **12:05**
